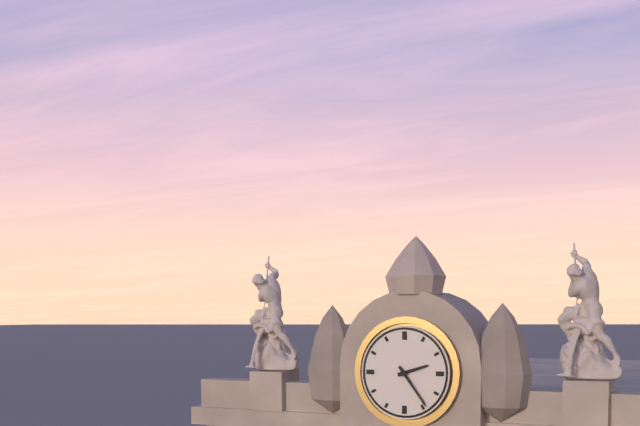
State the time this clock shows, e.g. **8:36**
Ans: **2:24**
